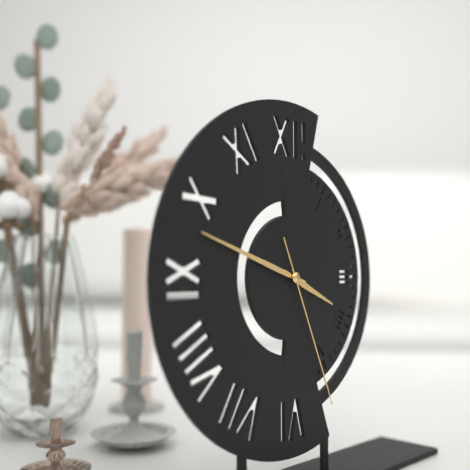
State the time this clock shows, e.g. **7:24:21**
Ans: **3:48:26**
